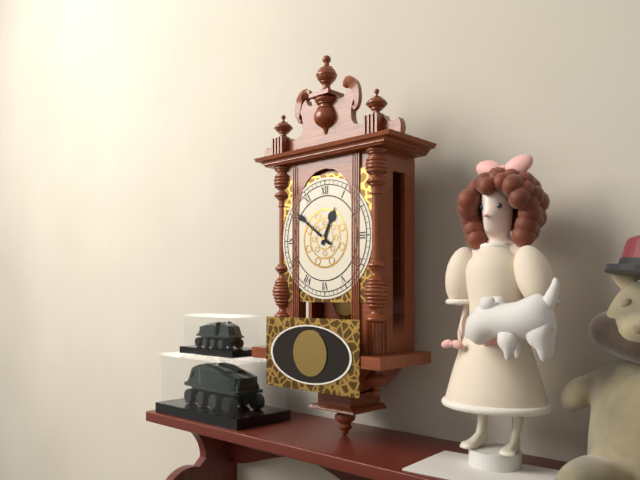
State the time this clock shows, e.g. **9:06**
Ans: **12:51**
